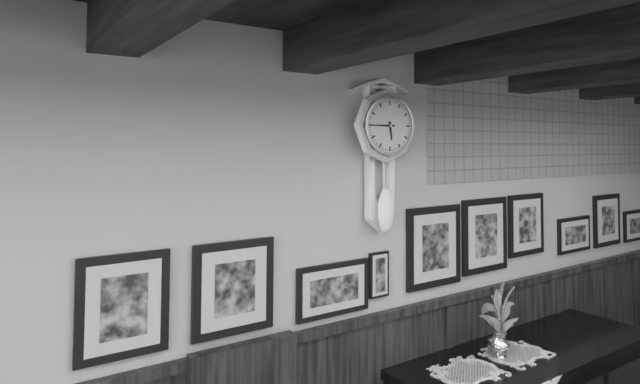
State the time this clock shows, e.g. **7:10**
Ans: **5:45**
